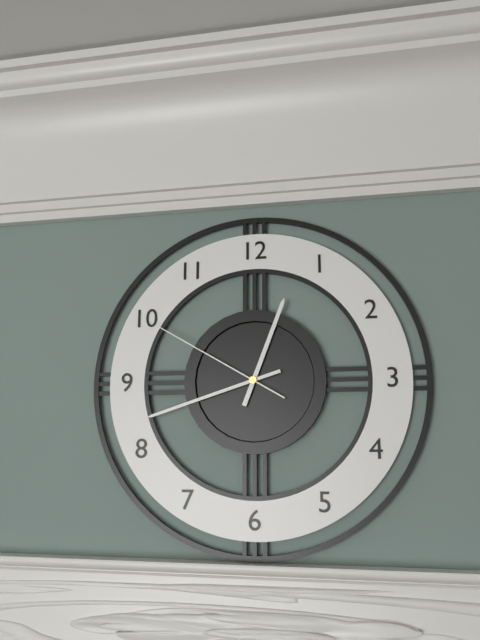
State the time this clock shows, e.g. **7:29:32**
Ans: **12:42:50**
